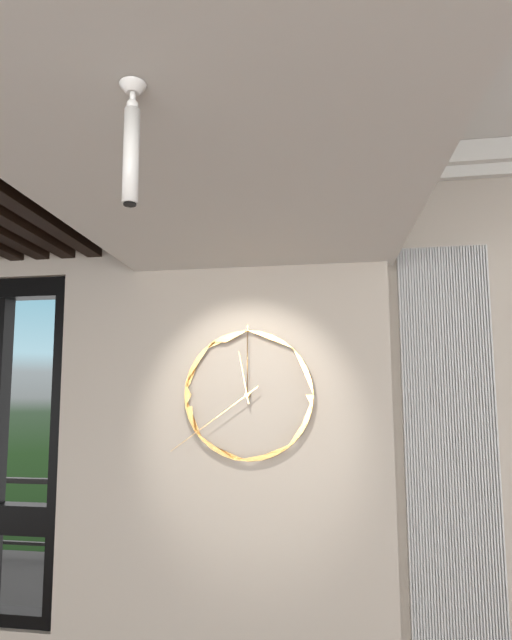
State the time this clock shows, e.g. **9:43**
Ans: **11:39**
